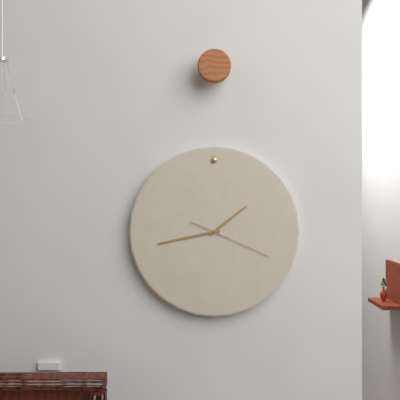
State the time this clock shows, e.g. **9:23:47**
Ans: **1:43:19**
